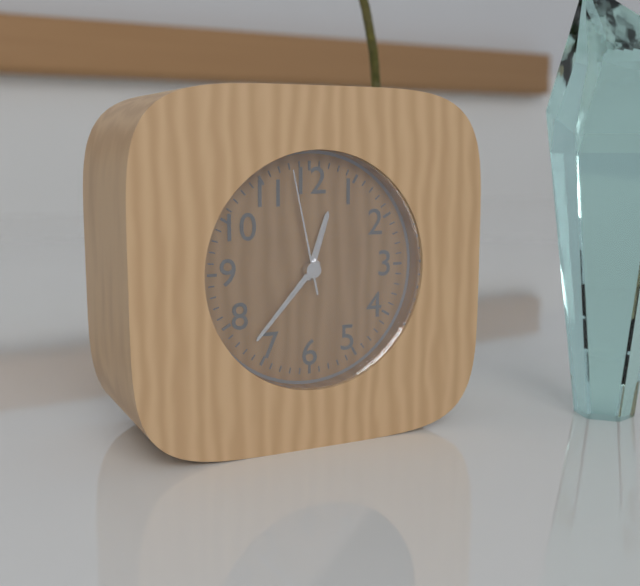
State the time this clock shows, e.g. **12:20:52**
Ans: **12:37:58**
